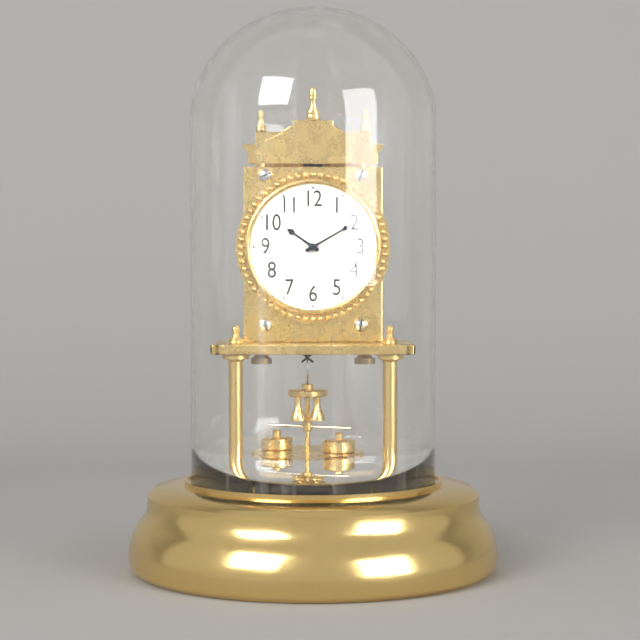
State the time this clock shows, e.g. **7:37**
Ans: **10:10**
